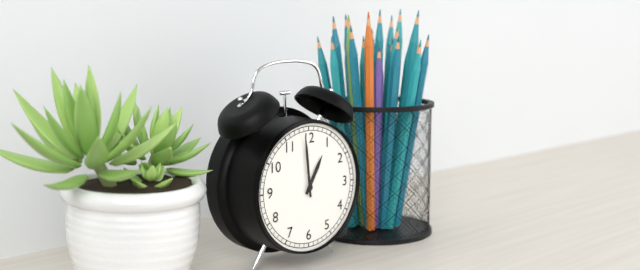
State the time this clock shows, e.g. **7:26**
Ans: **12:59**
